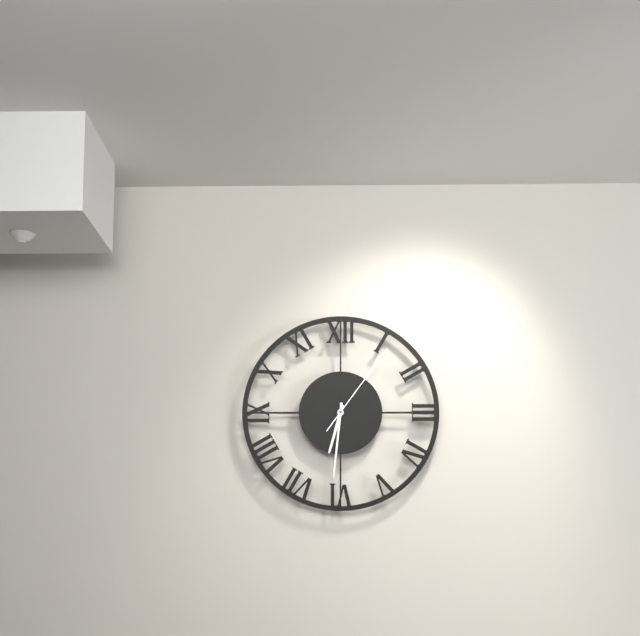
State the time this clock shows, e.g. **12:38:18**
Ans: **6:31:06**
